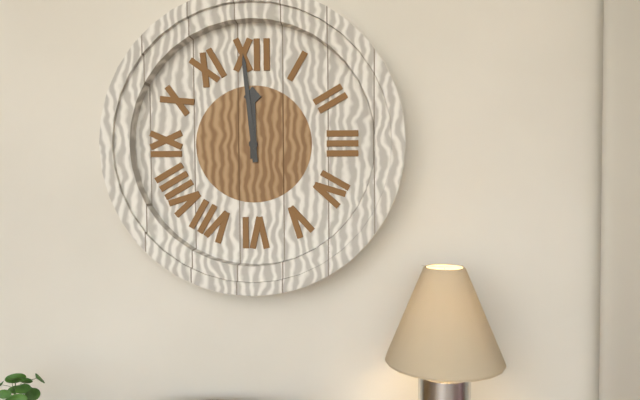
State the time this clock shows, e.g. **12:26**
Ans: **11:59**
